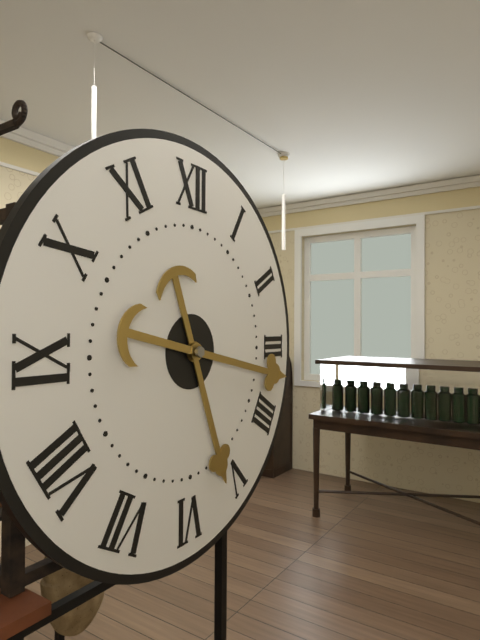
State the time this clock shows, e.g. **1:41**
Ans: **5:17**
